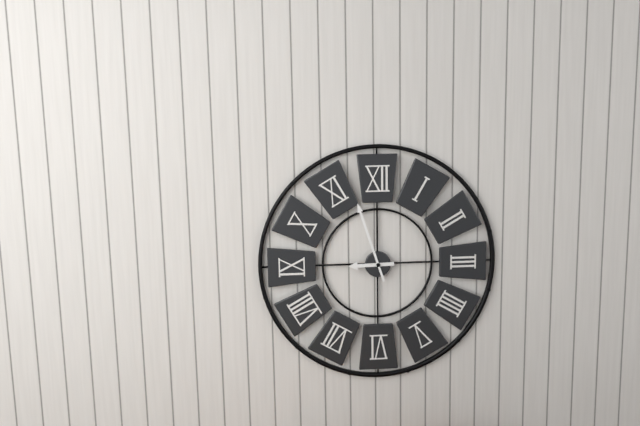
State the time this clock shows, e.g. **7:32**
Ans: **8:57**
